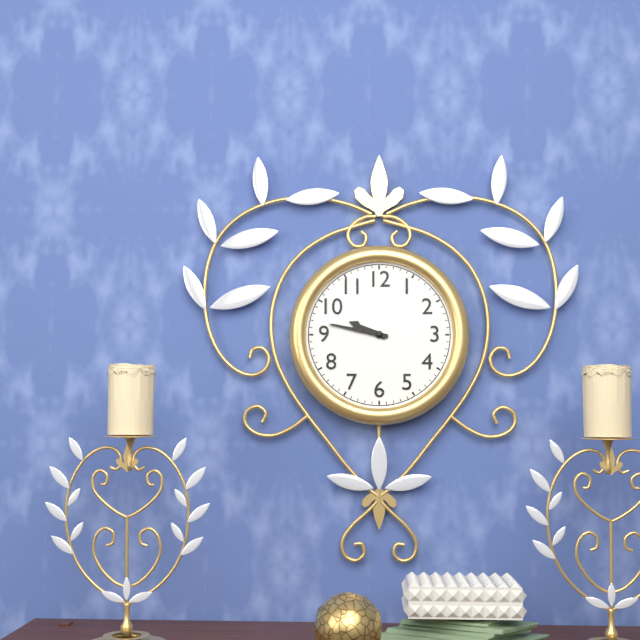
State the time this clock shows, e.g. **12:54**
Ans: **9:47**
